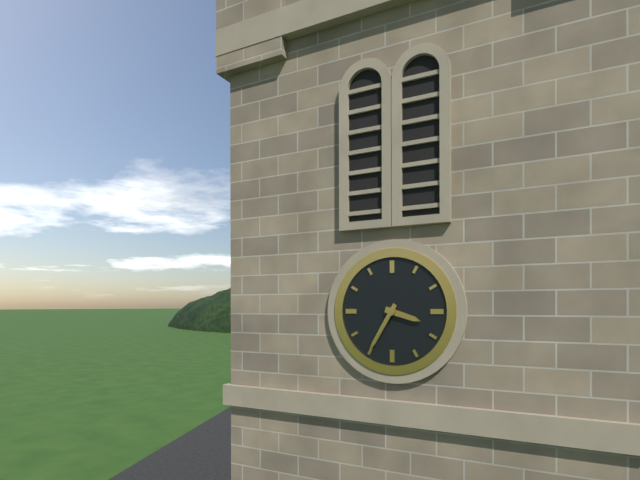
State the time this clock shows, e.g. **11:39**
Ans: **3:35**
